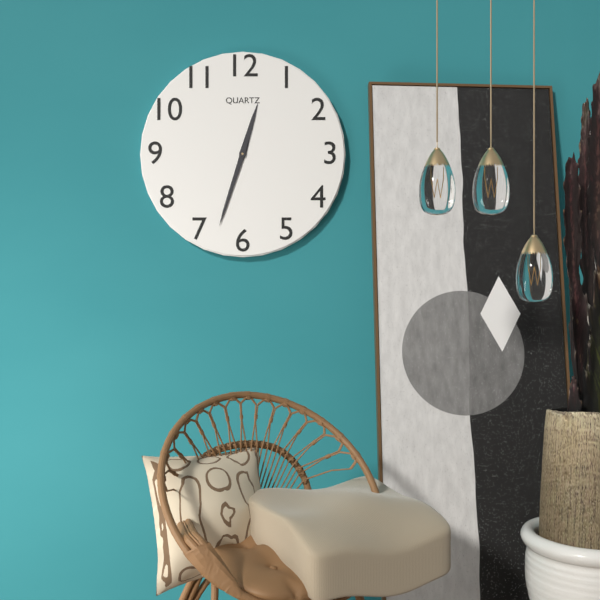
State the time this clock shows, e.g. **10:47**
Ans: **12:33**
